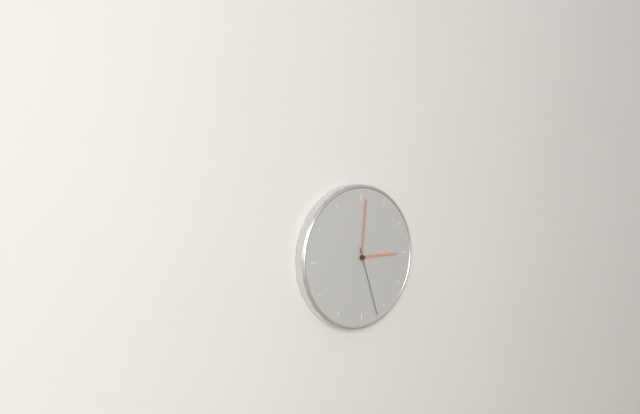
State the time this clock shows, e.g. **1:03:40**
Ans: **3:01:27**
